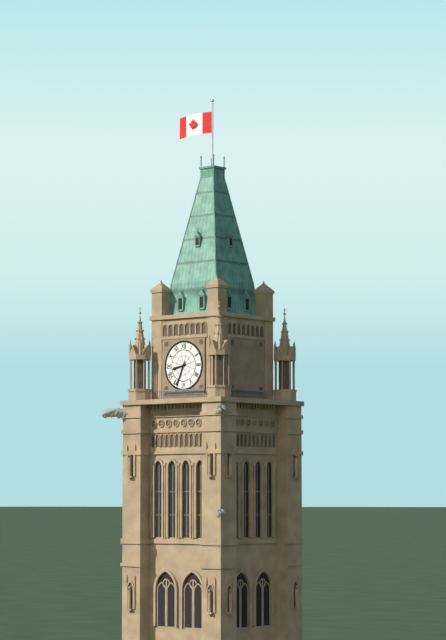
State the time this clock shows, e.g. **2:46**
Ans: **8:34**
